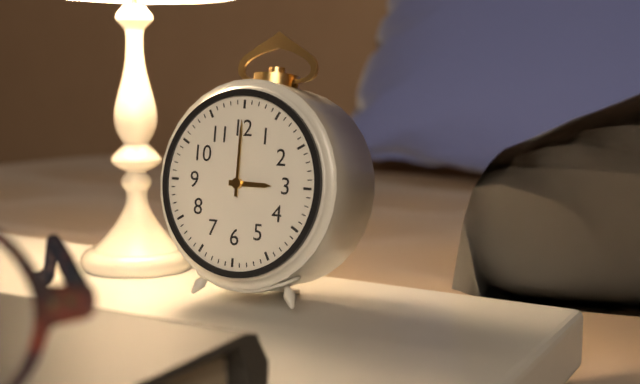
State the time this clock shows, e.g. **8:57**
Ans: **3:00**
